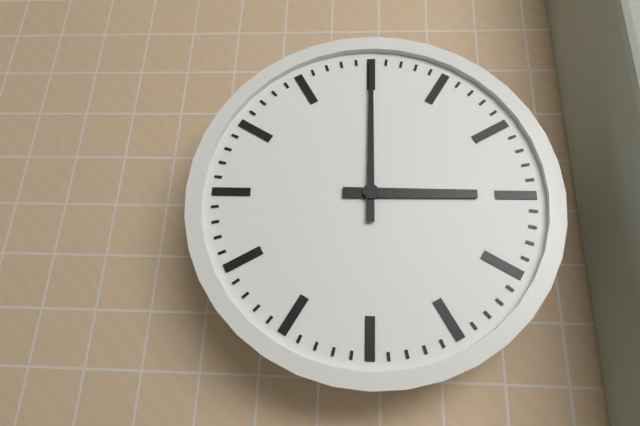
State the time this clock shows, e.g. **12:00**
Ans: **3:00**
